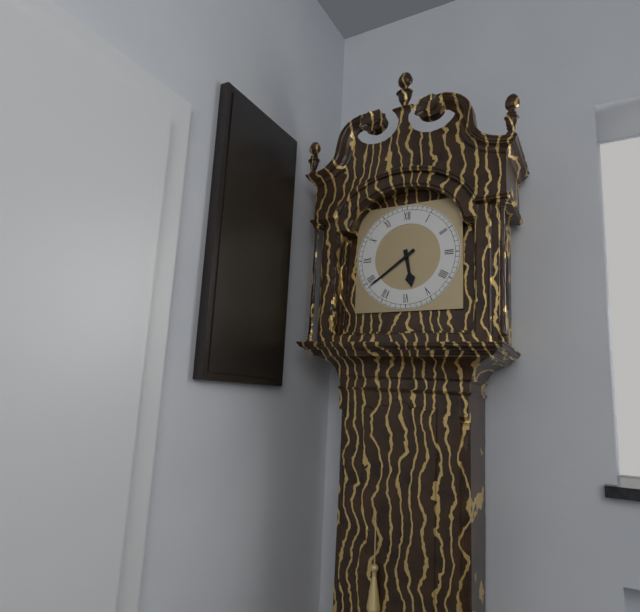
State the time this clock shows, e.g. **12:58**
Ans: **5:39**
